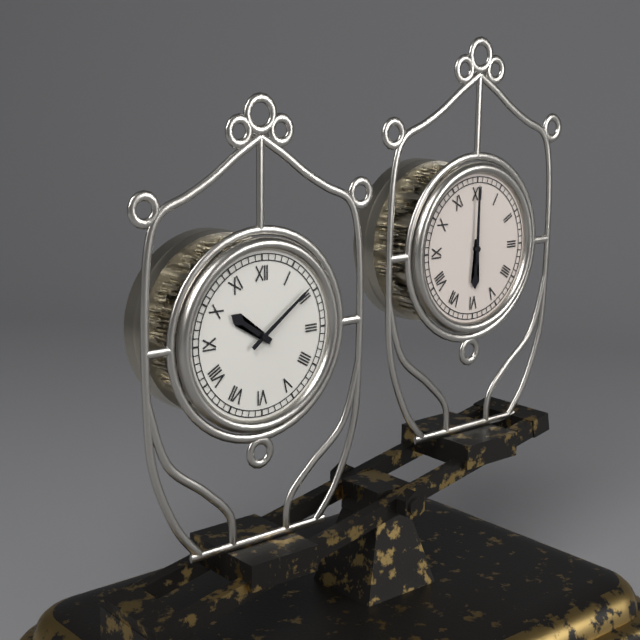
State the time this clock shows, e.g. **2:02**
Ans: **10:09**
